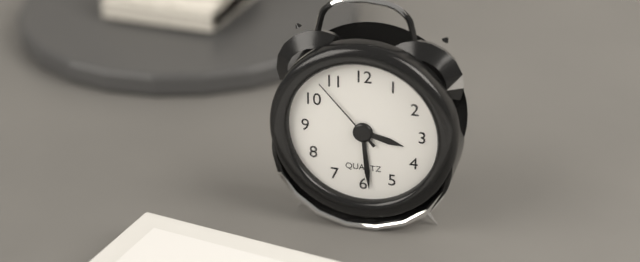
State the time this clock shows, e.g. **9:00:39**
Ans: **3:29:53**
